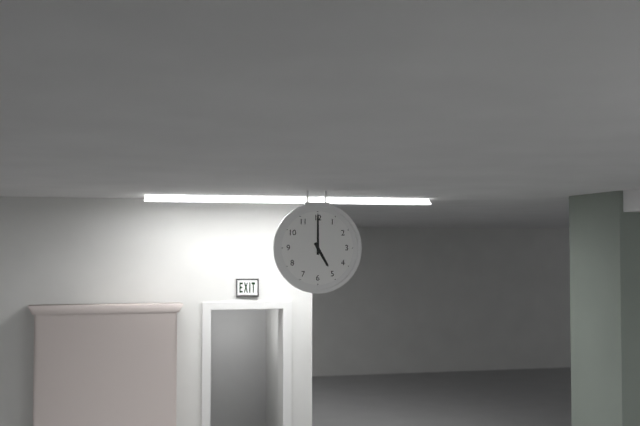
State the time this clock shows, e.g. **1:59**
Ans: **5:00**
